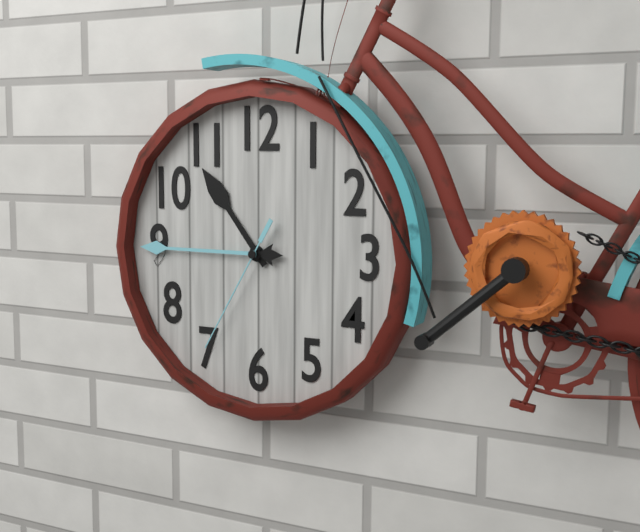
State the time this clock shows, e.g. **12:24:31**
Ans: **10:45:35**
